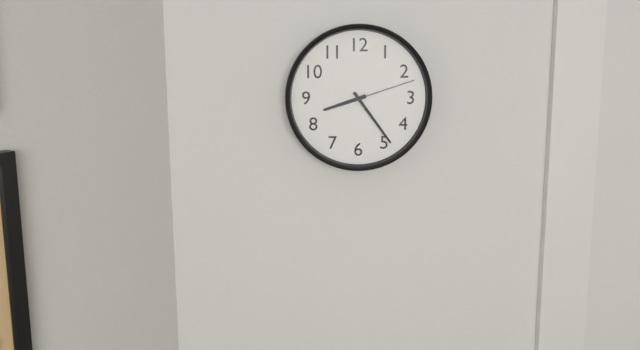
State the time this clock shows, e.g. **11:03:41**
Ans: **8:24:12**
